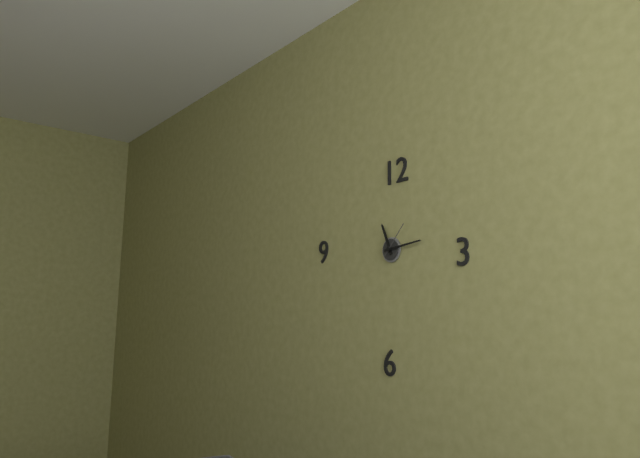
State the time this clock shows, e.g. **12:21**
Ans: **11:14**
